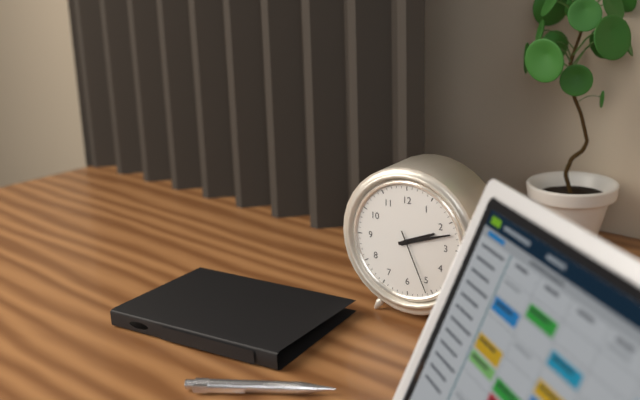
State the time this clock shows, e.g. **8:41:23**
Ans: **2:12:26**
